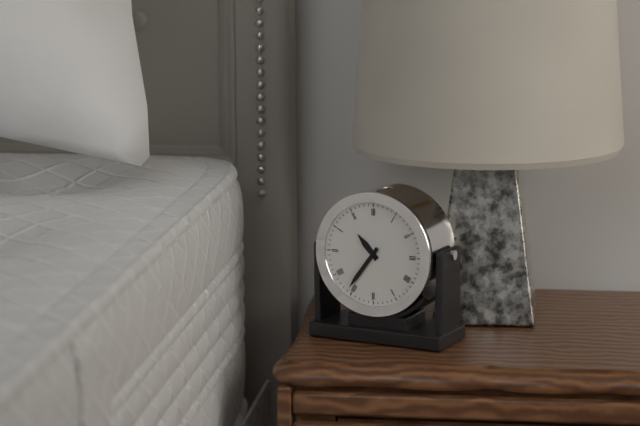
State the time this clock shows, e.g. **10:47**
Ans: **10:36**
